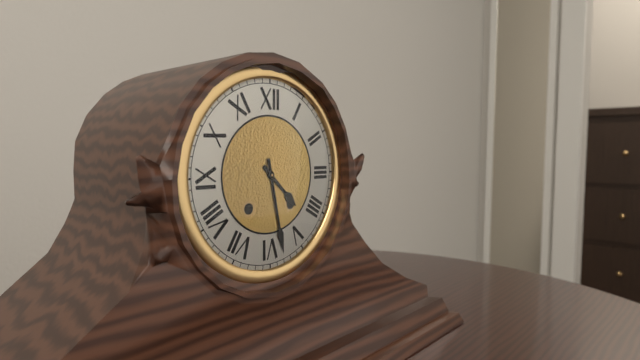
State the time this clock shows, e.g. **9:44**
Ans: **4:28**
